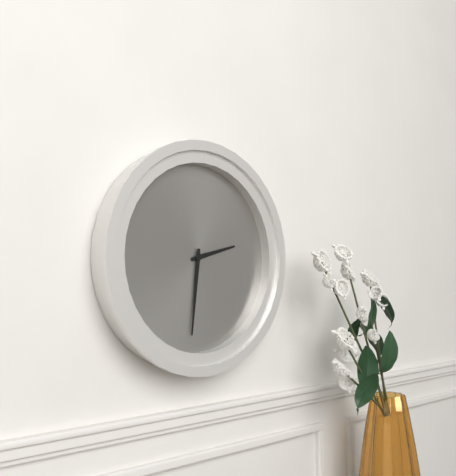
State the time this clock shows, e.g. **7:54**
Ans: **2:31**
